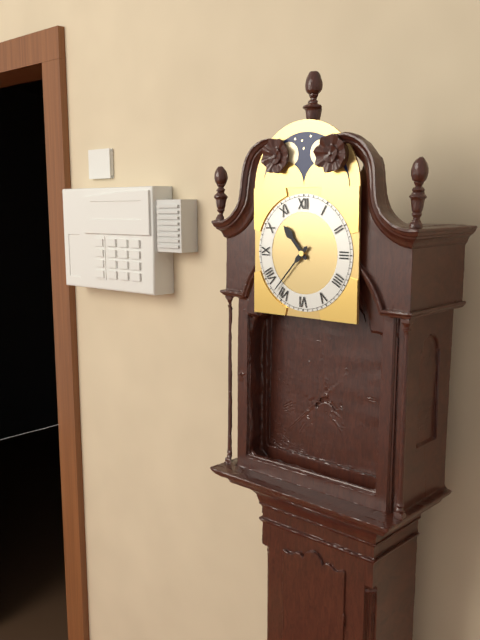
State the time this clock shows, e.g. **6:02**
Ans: **10:37**
